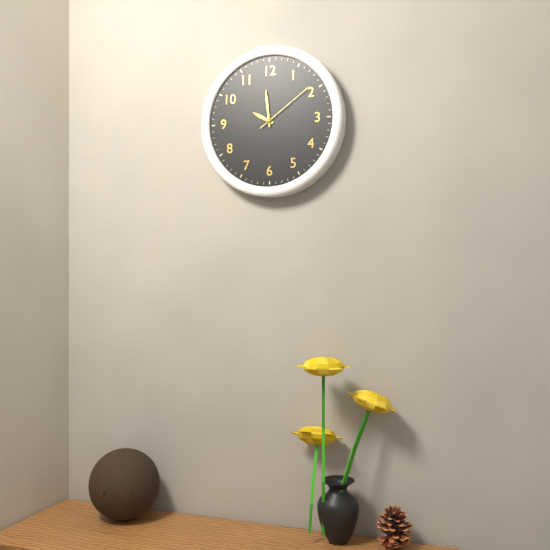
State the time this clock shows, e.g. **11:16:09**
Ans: **9:59:09**
